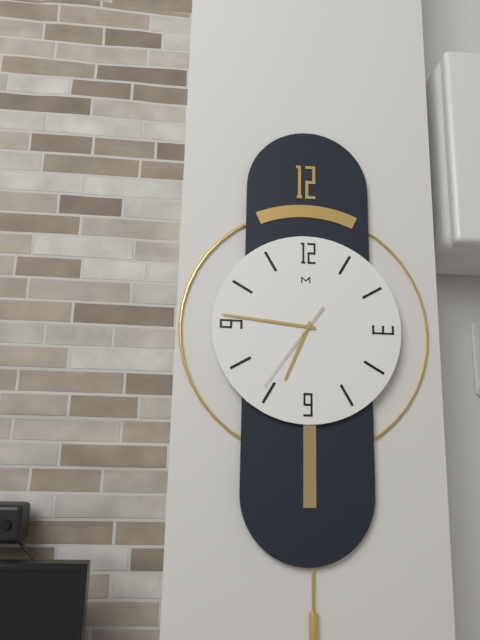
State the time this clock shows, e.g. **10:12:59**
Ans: **6:46:36**
